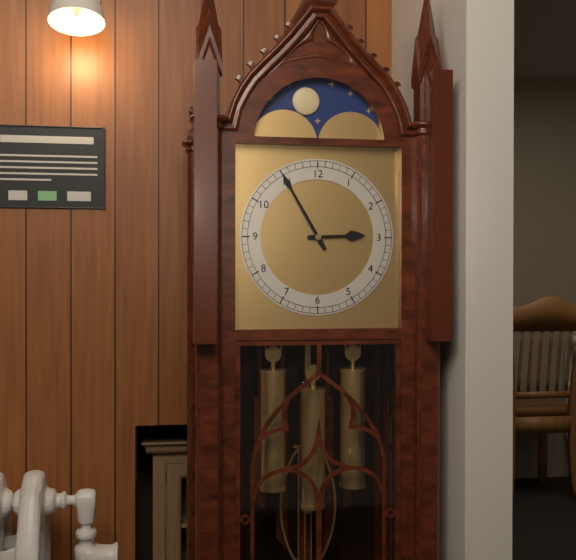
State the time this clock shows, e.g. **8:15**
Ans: **2:55**
